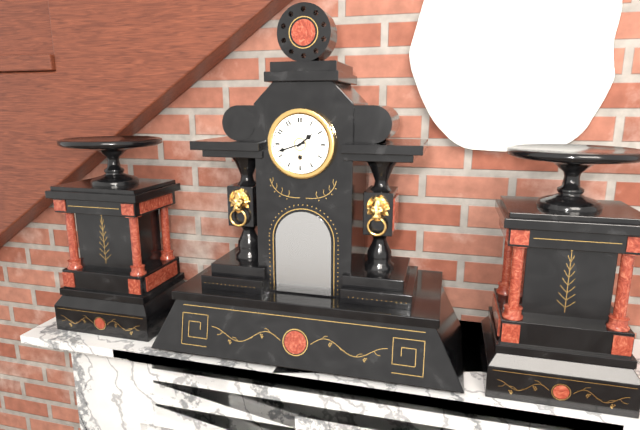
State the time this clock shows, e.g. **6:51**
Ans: **1:42**
